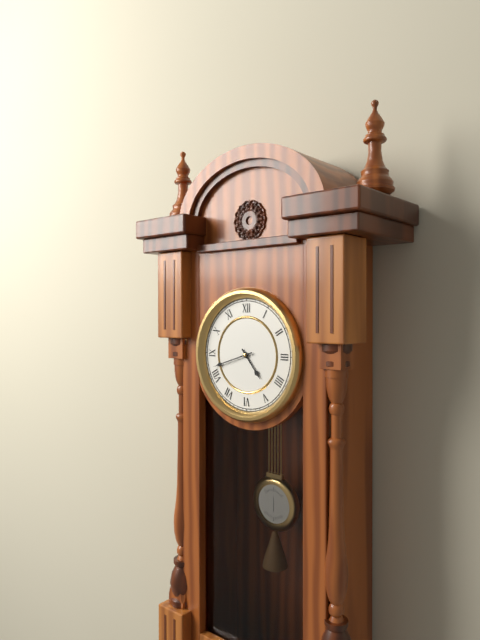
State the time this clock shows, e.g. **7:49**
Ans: **4:42**
